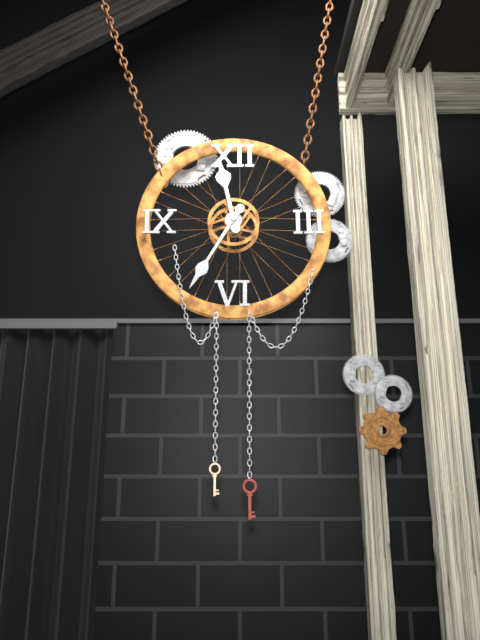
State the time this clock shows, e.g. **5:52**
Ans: **11:35**
